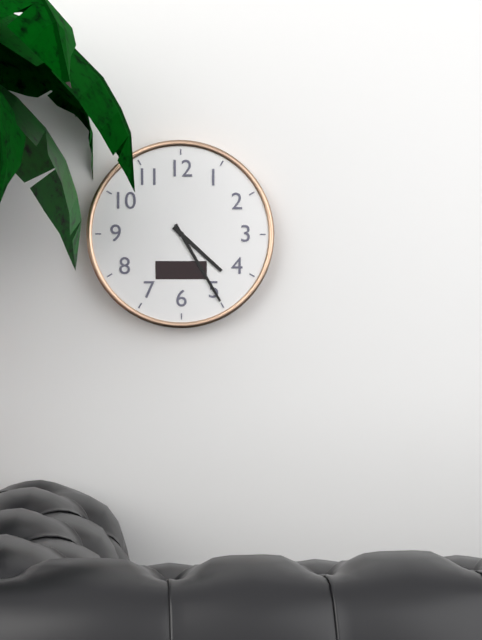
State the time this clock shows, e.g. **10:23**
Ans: **4:25**
